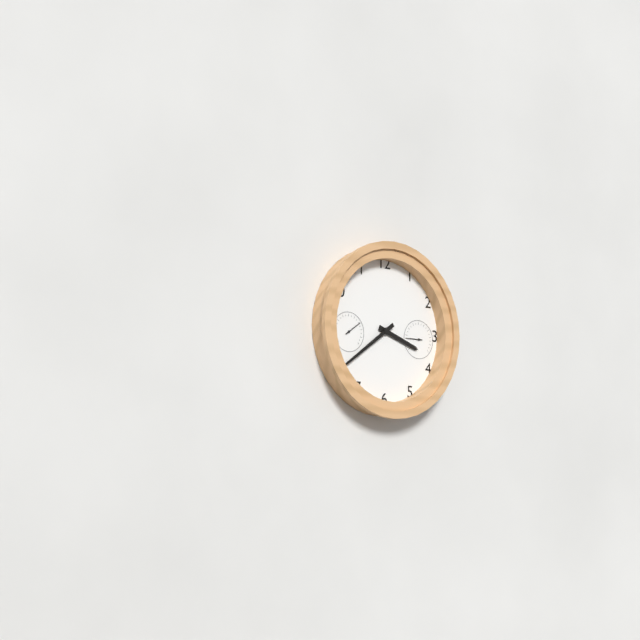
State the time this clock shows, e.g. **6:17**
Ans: **3:39**
